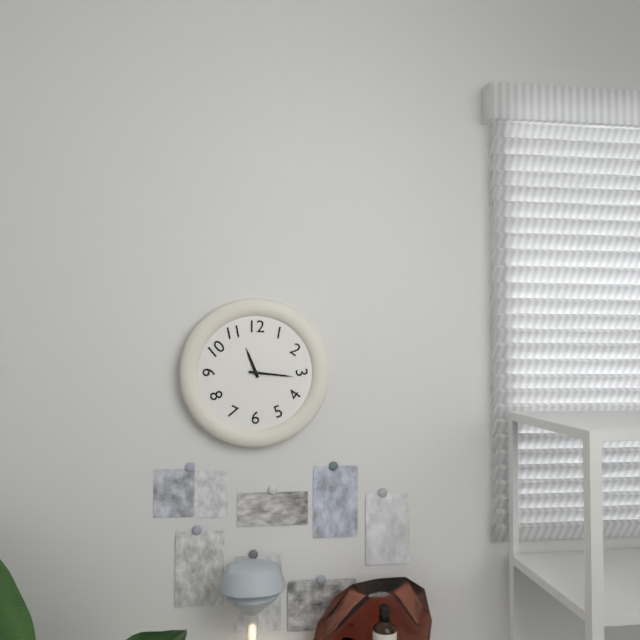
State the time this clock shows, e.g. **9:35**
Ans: **11:16**
